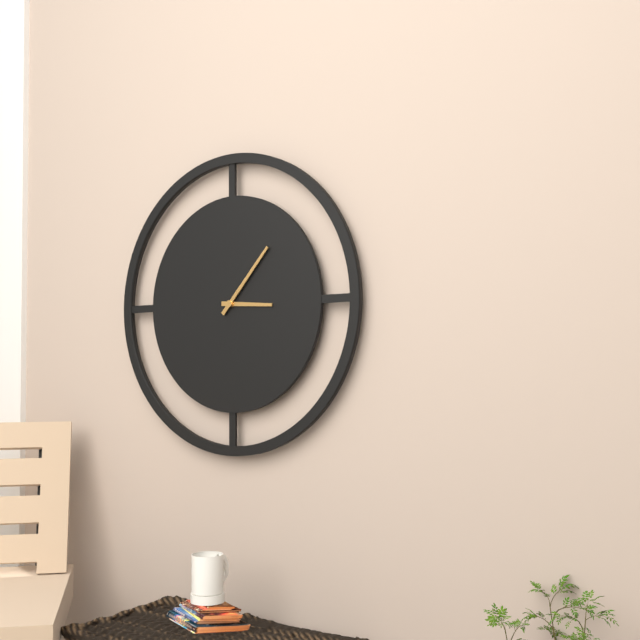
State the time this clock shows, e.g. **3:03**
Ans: **3:07**
